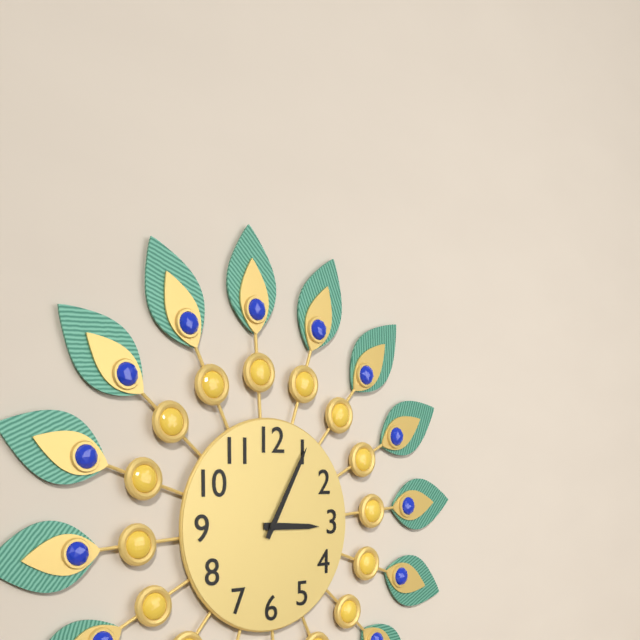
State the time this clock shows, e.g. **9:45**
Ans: **3:05**
